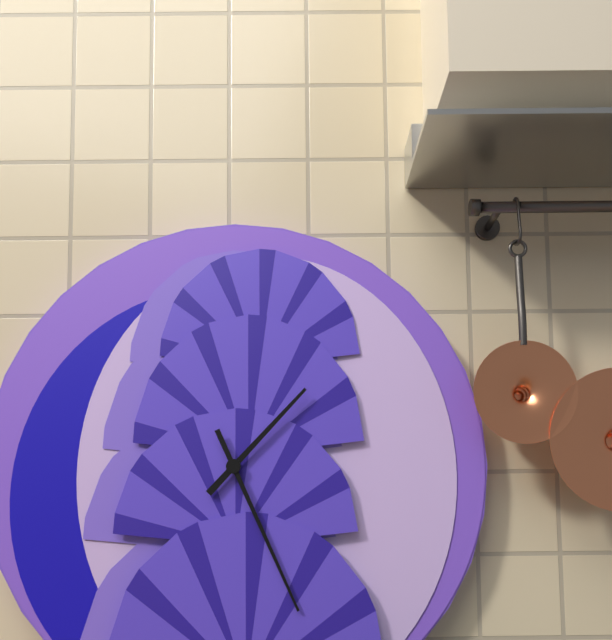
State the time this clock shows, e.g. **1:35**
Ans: **1:26**
